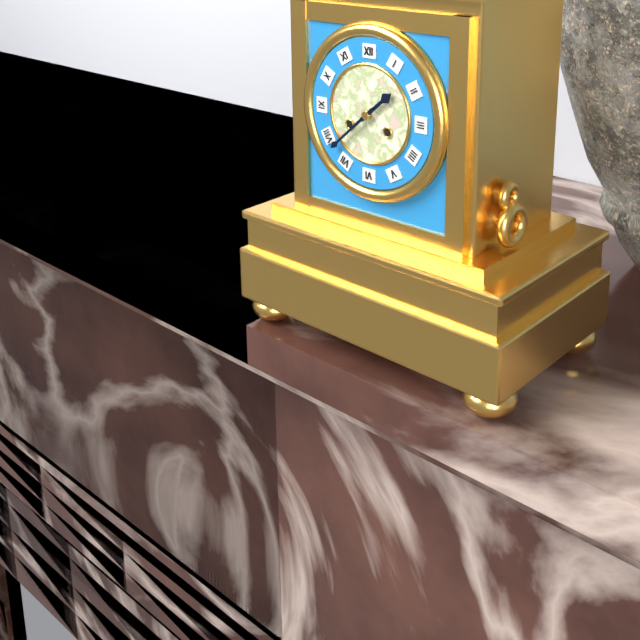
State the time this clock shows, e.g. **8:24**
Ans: **1:38**
